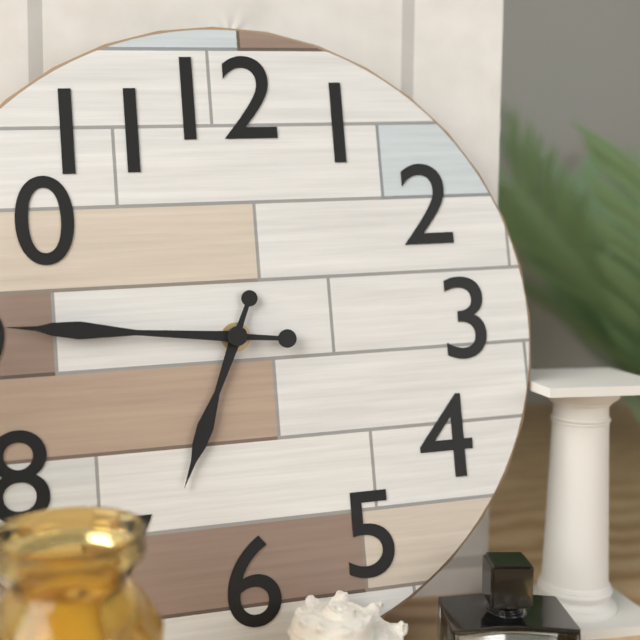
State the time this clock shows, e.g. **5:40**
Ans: **6:46**
